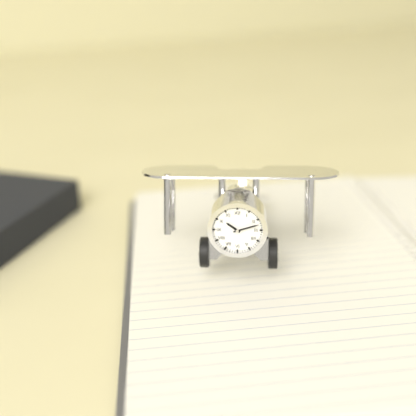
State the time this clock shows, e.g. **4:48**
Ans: **10:12**
